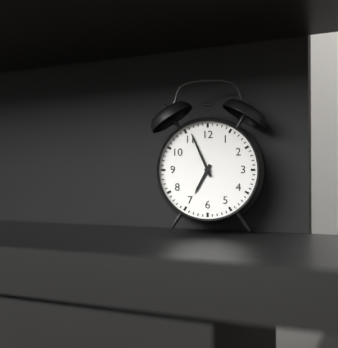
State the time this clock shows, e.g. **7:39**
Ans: **6:56**
